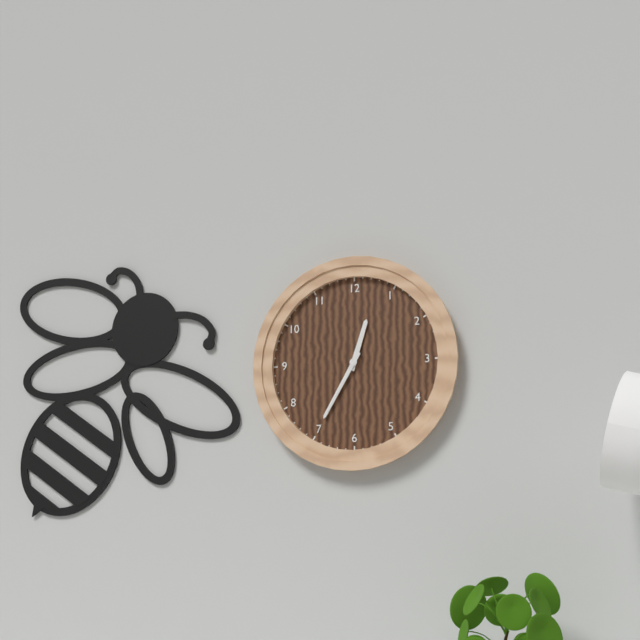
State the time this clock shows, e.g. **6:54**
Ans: **12:35**
